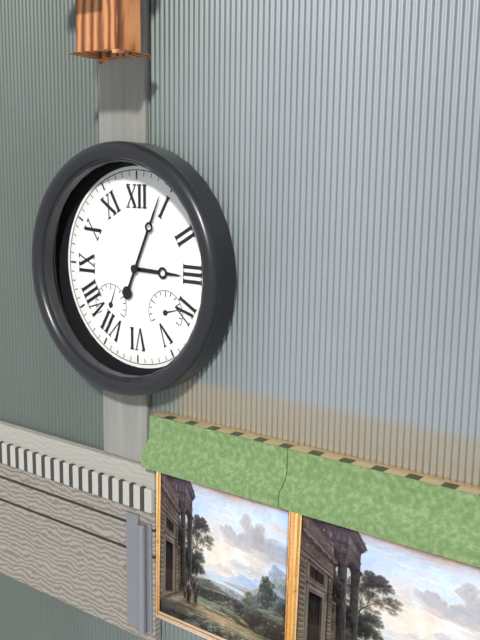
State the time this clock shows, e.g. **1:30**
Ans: **3:04**
